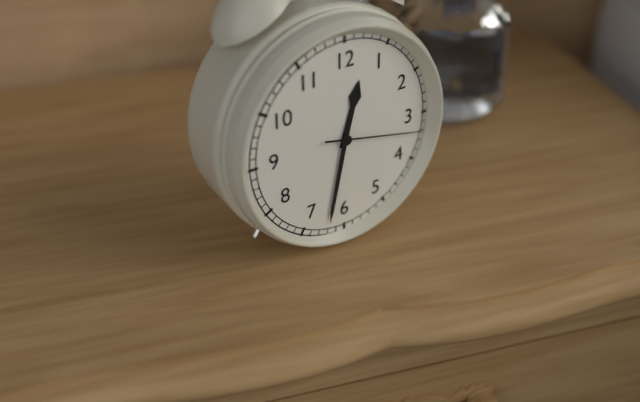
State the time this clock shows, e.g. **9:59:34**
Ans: **12:32:17**
